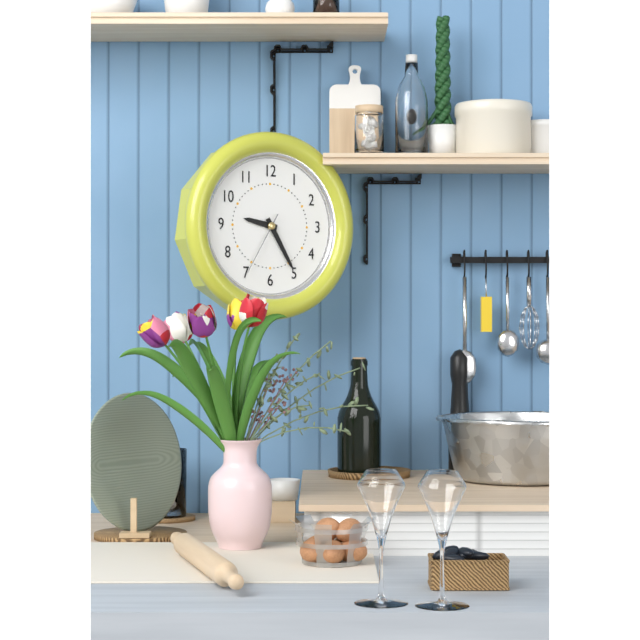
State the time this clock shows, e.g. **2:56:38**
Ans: **9:25:35**
